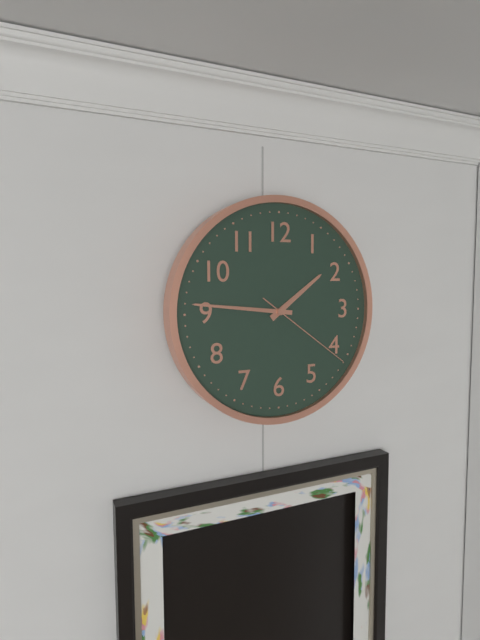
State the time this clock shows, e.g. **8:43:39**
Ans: **1:46:21**
